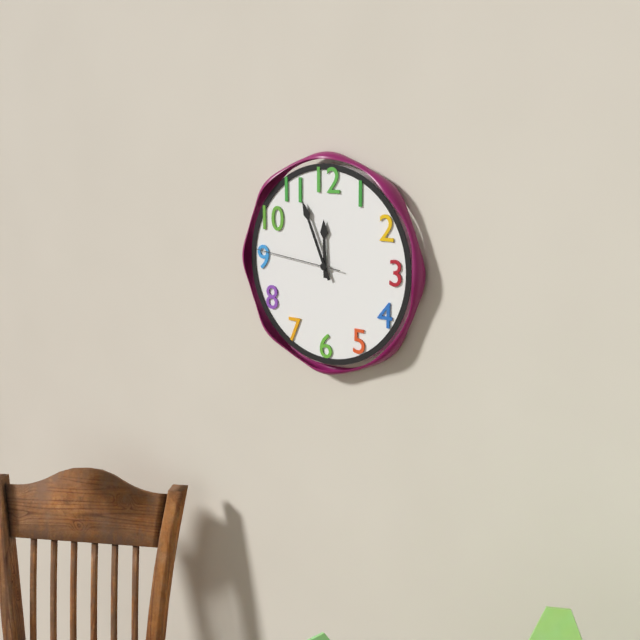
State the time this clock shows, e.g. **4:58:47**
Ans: **11:56:46**
